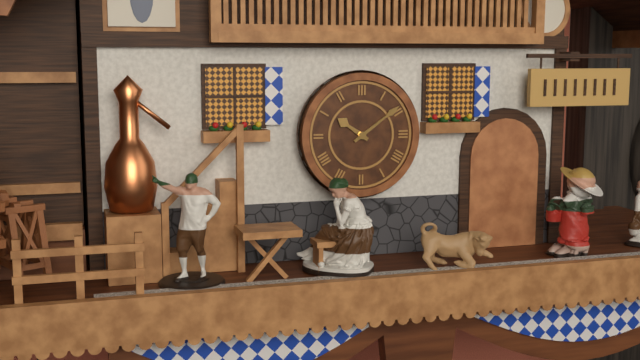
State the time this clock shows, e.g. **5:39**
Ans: **10:09**
